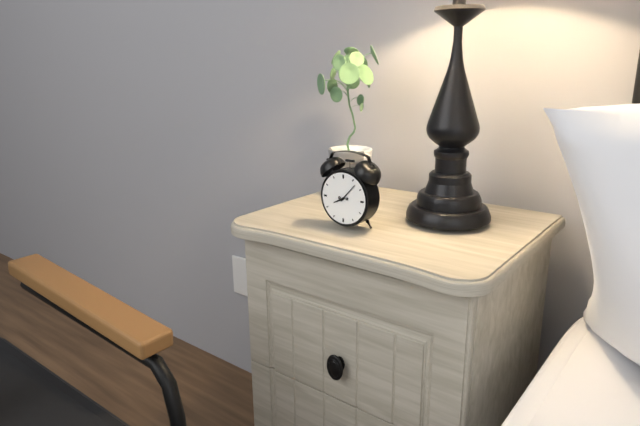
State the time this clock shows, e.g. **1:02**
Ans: **8:07**
